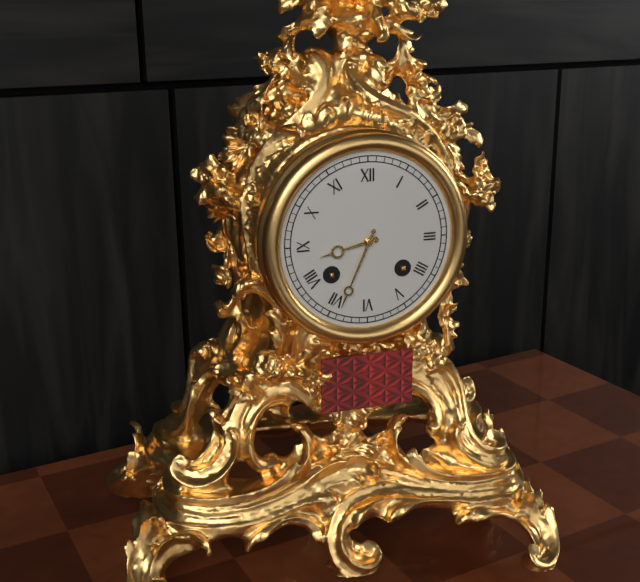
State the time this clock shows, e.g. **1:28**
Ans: **8:34**
